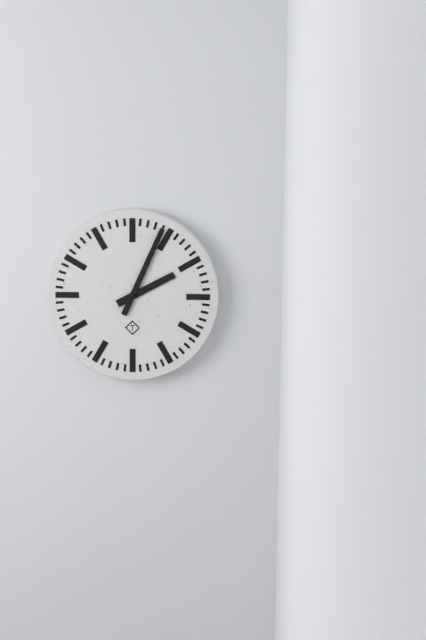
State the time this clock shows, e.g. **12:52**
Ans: **2:04**
